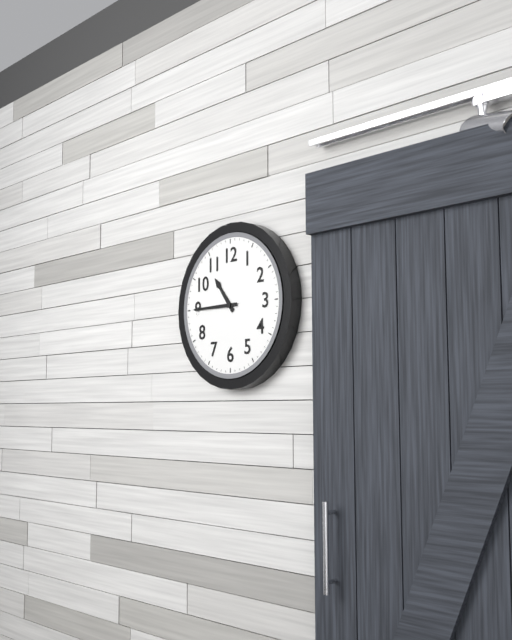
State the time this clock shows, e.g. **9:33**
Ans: **10:45**
